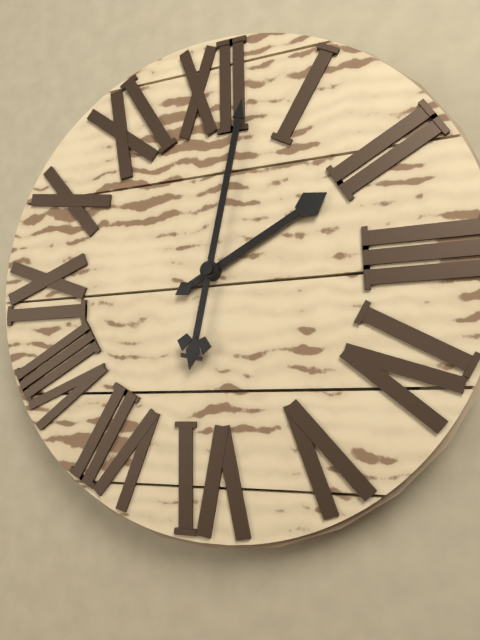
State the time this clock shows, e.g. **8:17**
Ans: **2:02**
